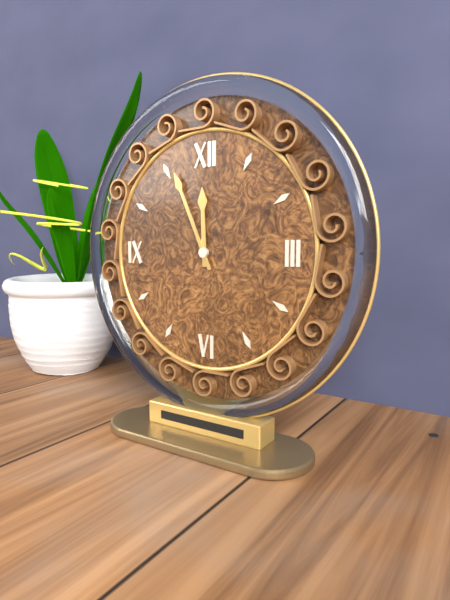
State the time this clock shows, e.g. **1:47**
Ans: **11:56**
